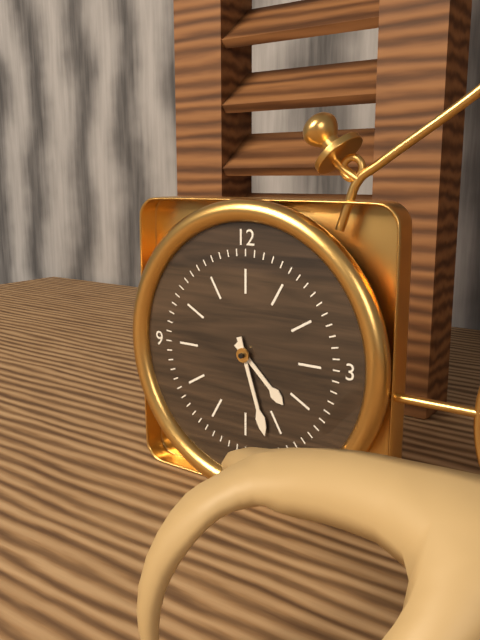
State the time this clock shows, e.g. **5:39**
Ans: **4:27**
